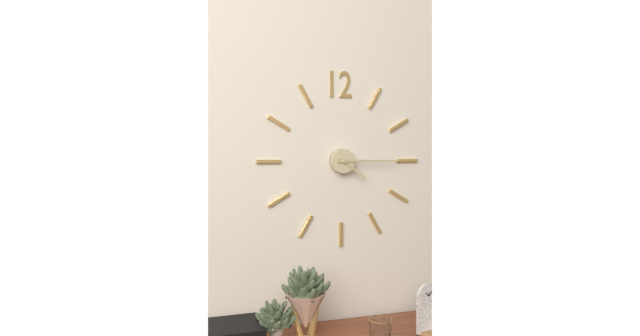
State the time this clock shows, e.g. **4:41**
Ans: **4:15**
